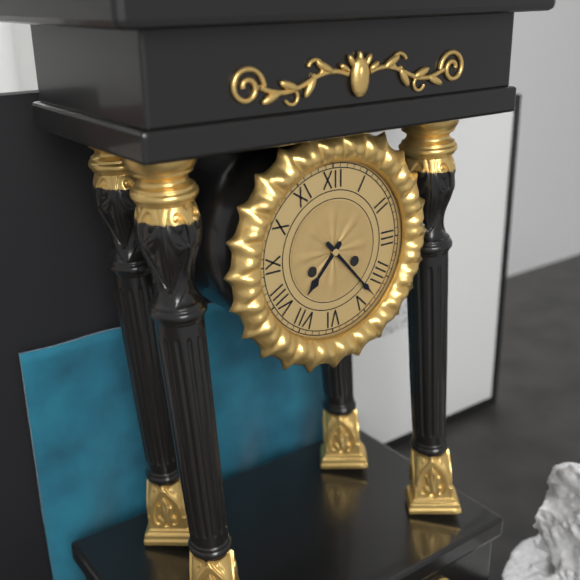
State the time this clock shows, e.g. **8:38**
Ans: **7:23**
